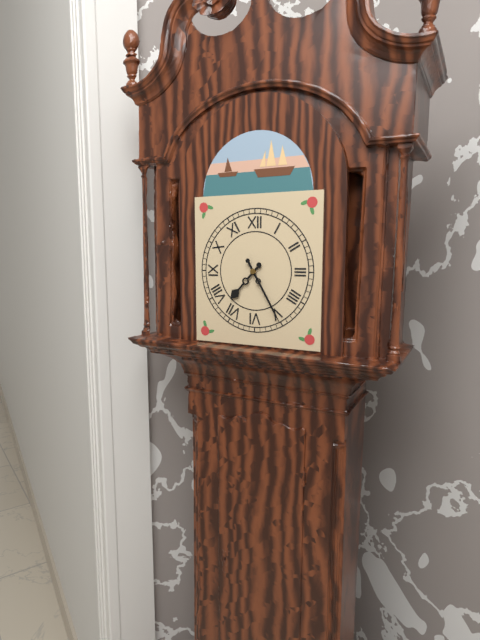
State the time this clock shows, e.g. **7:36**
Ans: **7:25**
